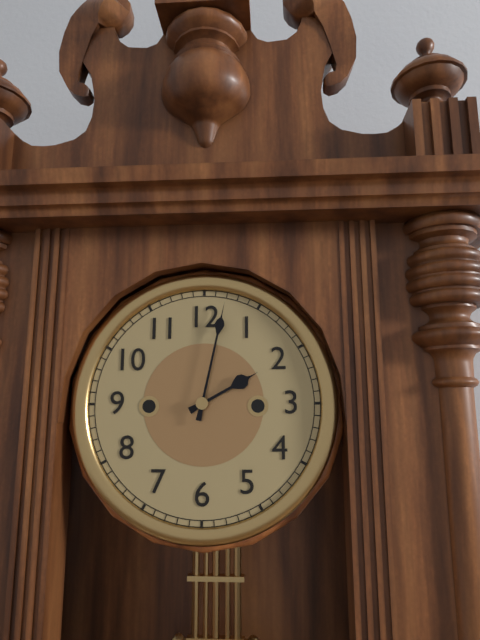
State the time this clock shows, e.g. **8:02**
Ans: **2:02**
